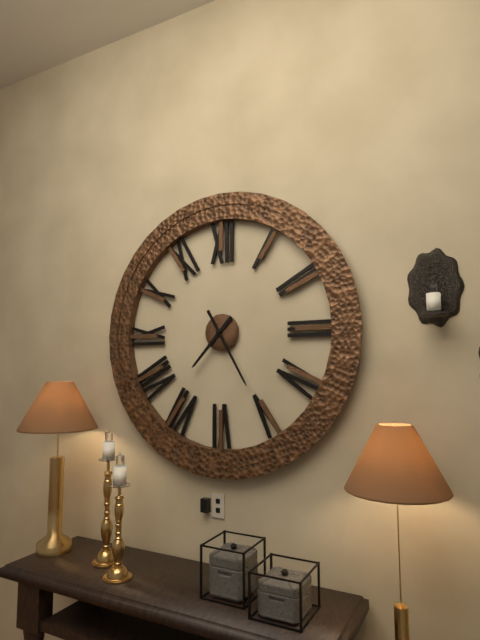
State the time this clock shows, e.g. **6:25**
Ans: **7:25**
